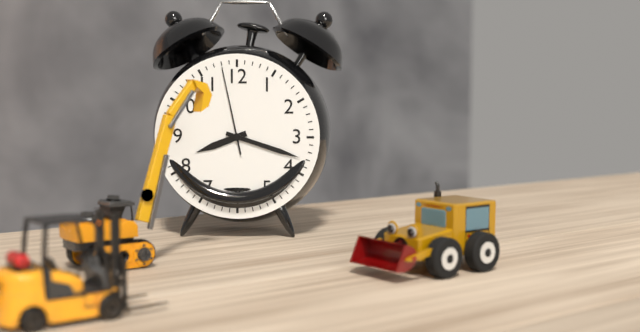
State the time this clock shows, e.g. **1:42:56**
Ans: **8:18:58**
